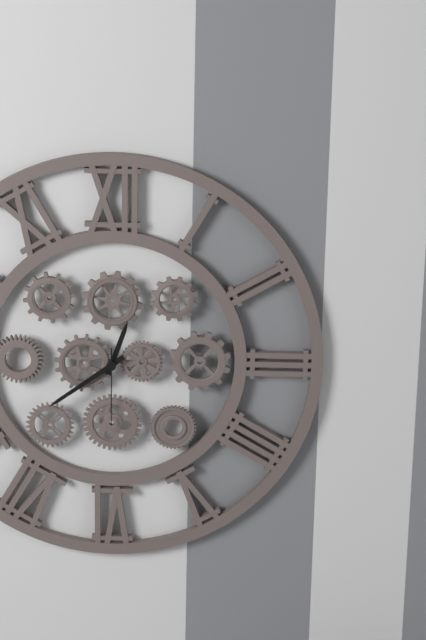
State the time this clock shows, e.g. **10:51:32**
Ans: **12:39:30**
